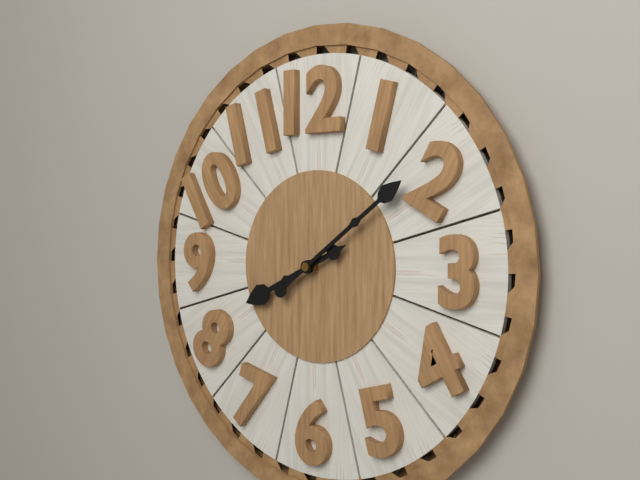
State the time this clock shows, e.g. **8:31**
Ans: **8:09**
